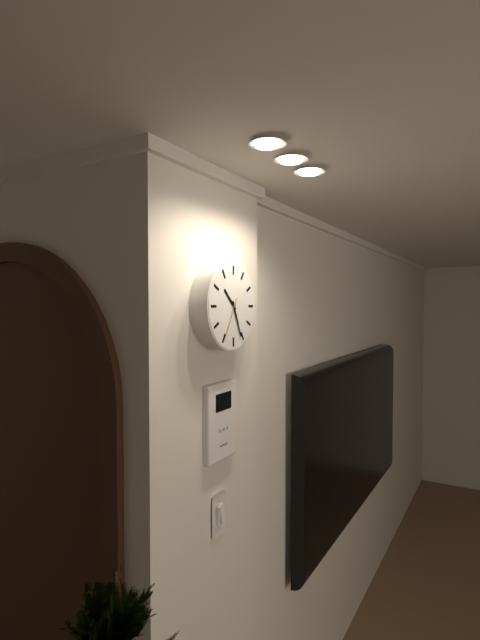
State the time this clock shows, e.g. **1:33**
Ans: **10:26**
